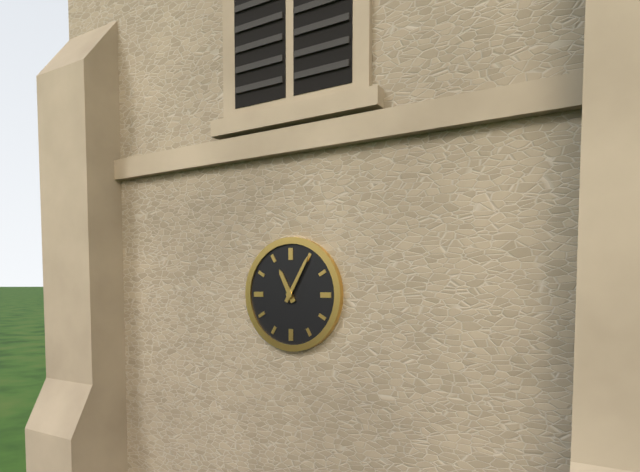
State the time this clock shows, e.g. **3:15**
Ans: **11:05**
